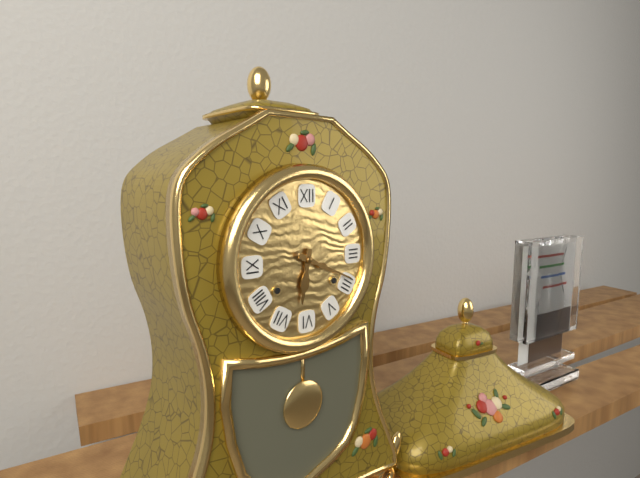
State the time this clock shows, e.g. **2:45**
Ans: **6:19**
